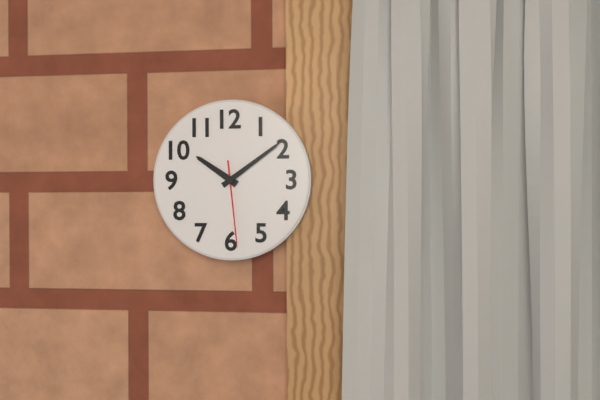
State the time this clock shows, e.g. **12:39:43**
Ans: **10:09:29**
